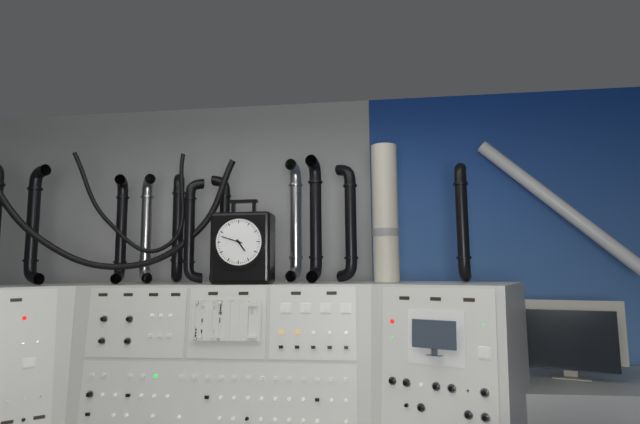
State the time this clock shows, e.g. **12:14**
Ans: **4:48**
